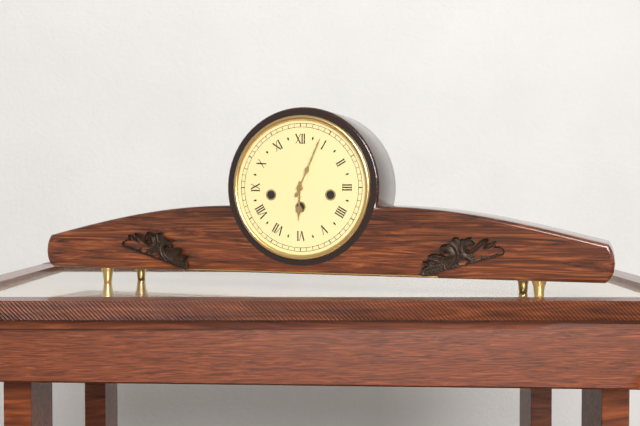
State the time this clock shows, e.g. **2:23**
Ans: **6:04**
